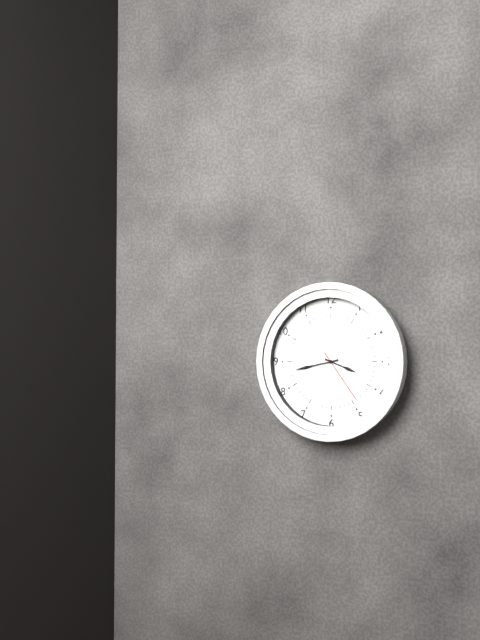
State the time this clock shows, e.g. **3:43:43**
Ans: **3:43:24**
